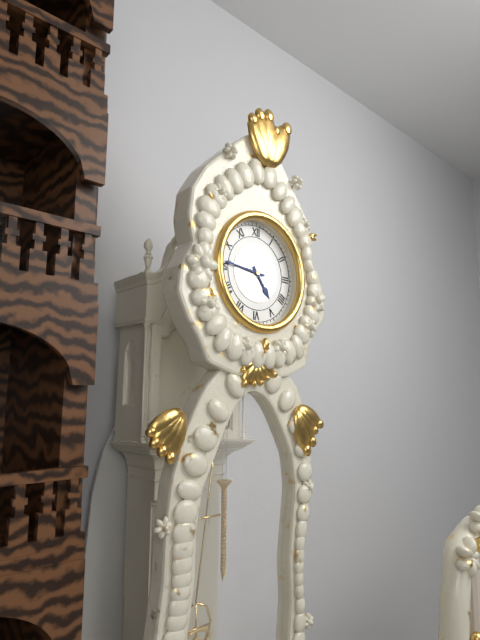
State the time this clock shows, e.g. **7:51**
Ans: **4:46**
